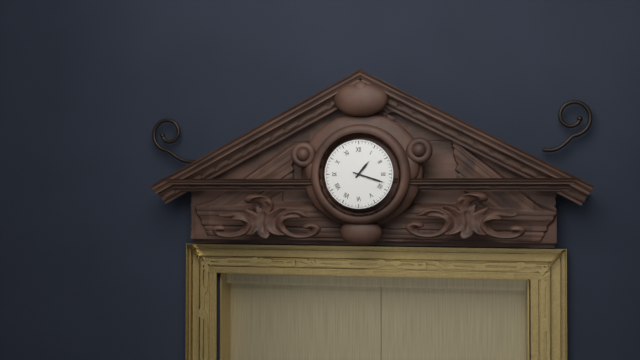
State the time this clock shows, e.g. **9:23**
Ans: **1:18**
